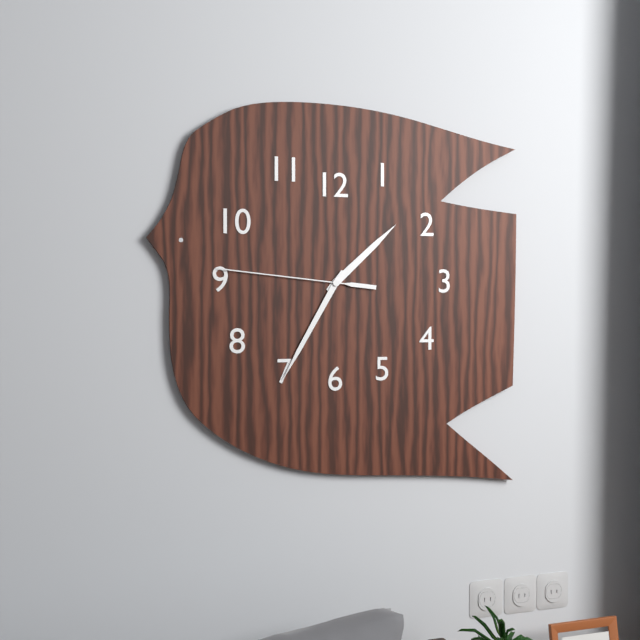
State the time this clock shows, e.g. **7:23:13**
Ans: **1:35:46**
